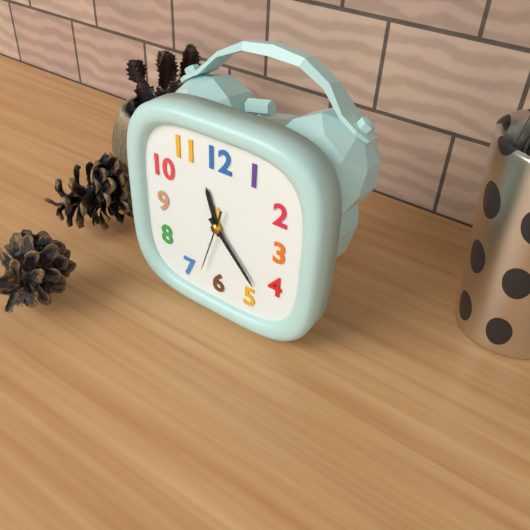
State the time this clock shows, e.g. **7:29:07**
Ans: **11:23:33**
